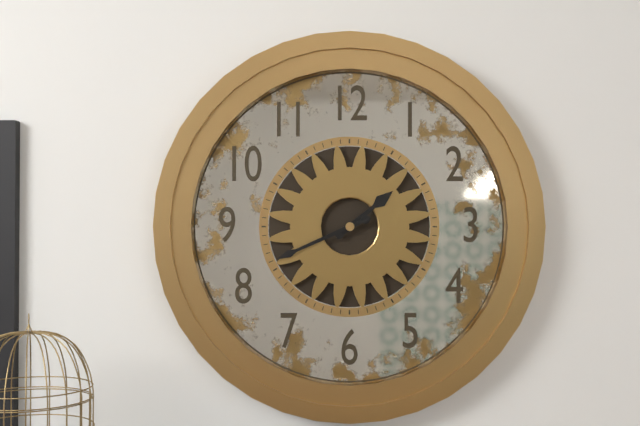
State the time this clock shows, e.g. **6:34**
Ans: **1:41**
